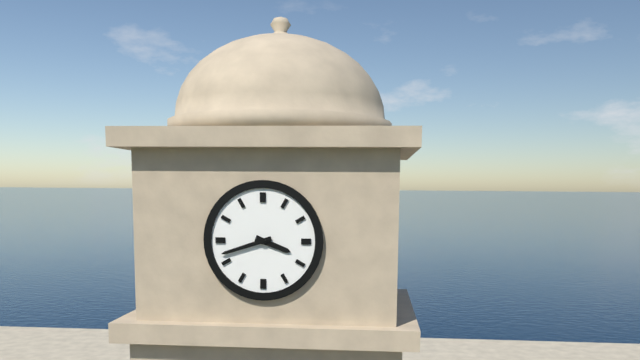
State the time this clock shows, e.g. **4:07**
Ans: **3:42**
